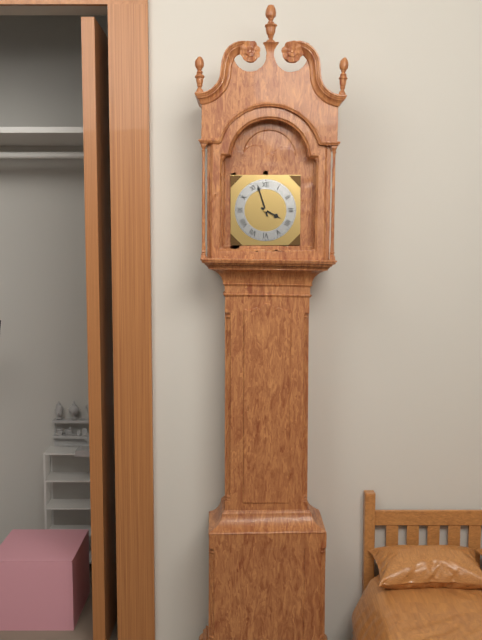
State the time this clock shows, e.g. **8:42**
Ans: **3:57**
